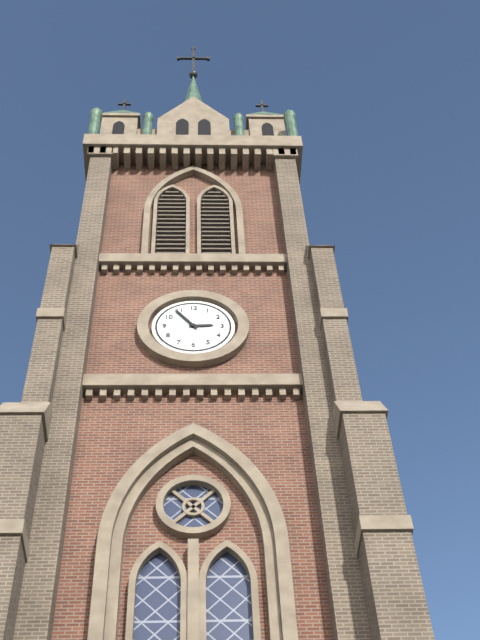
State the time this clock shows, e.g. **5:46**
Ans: **2:54**
